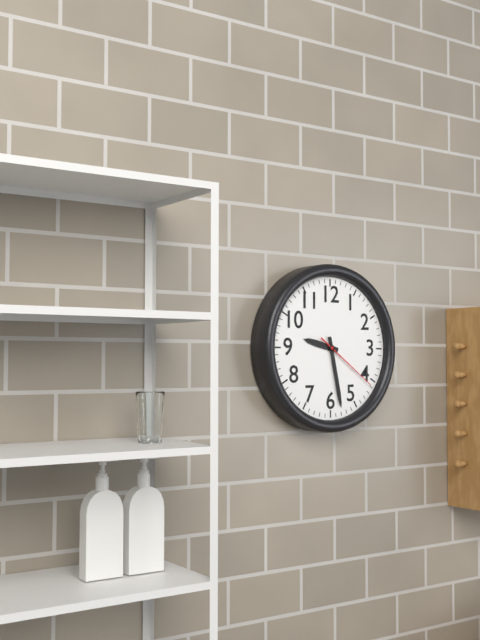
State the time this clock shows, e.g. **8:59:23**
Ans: **9:28:21**
